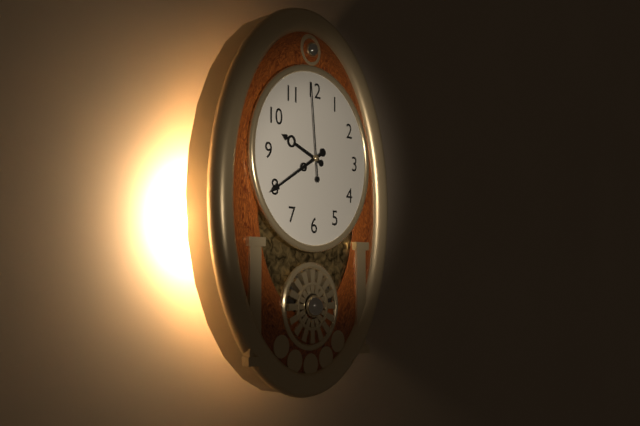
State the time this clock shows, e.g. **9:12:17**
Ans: **9:40:59**
